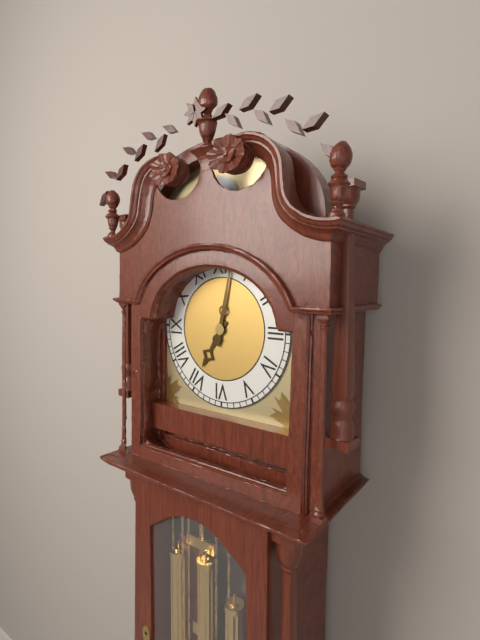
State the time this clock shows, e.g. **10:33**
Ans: **7:02**
